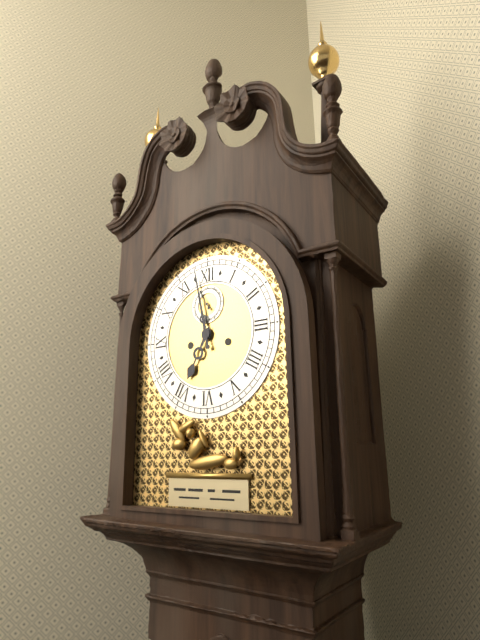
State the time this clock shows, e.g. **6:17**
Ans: **6:58**
